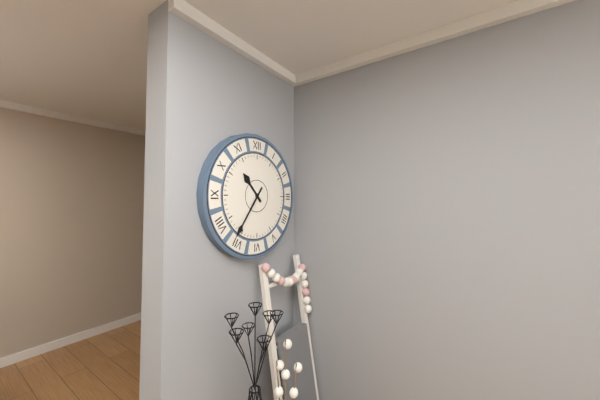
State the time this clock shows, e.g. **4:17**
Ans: **10:36**
